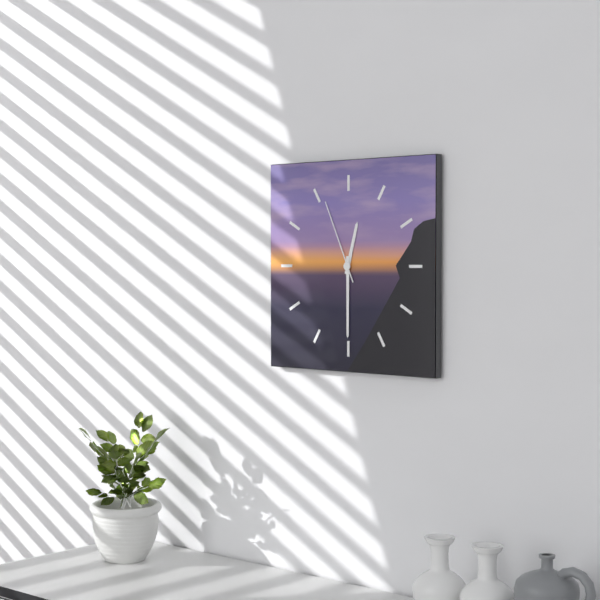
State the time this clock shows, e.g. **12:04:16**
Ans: **12:30:56**
